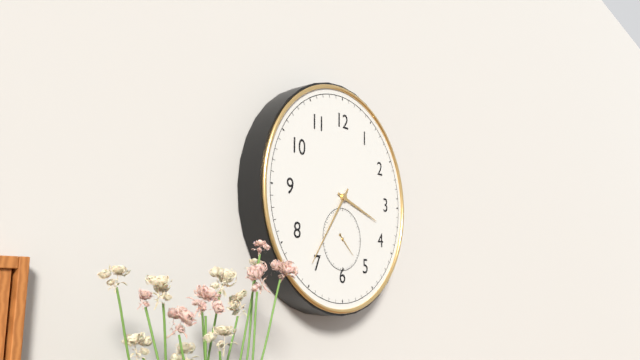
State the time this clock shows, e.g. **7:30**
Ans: **3:36**
